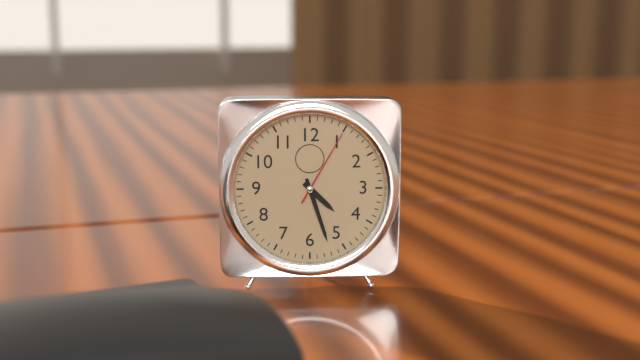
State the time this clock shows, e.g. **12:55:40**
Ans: **4:27:05**
